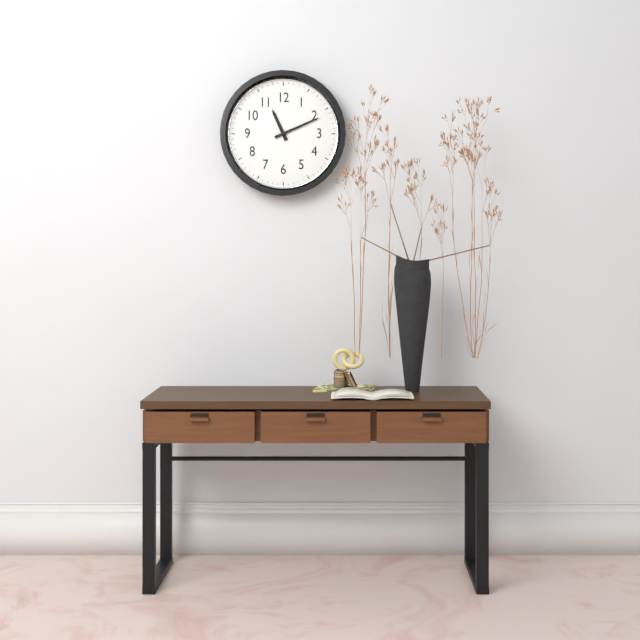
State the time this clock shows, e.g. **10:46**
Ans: **11:11**
